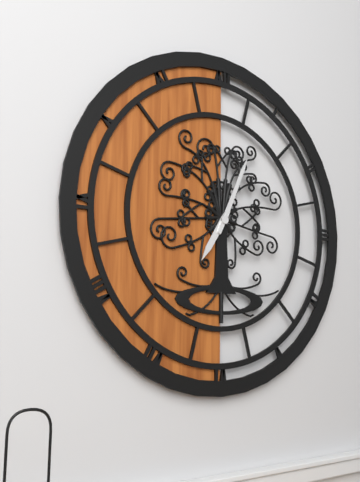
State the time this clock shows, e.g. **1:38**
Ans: **7:04**
